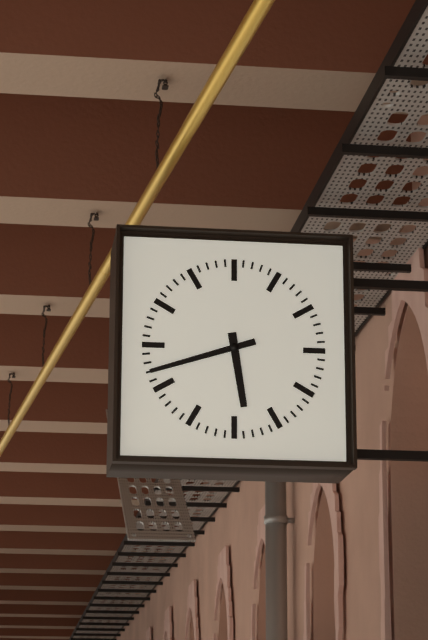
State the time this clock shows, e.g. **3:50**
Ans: **5:42**
